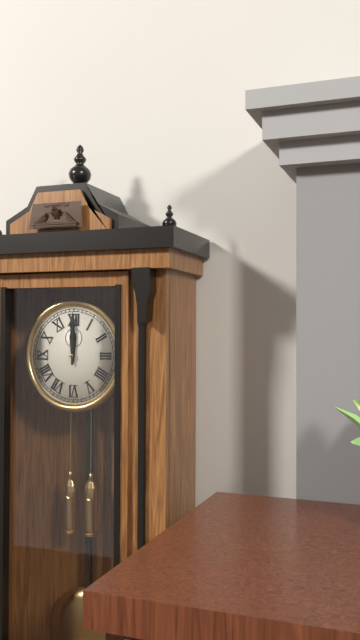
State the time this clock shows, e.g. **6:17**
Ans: **12:00**
